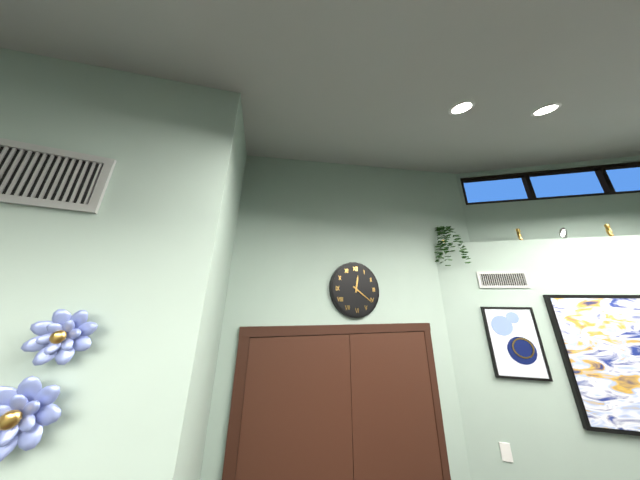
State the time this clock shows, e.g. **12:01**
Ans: **12:21**
